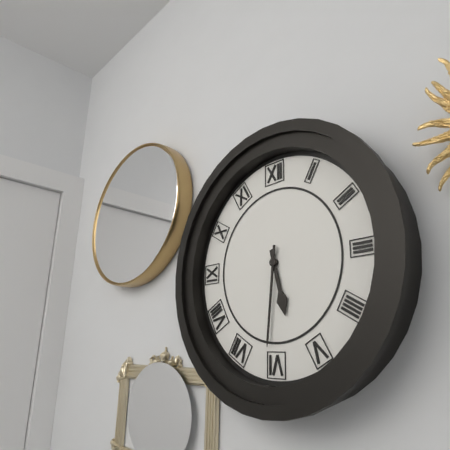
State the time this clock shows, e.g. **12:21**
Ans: **5:31**
